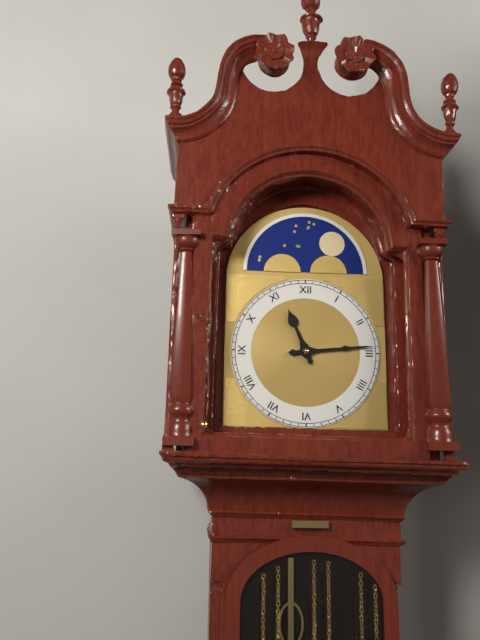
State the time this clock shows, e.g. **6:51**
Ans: **11:14**
